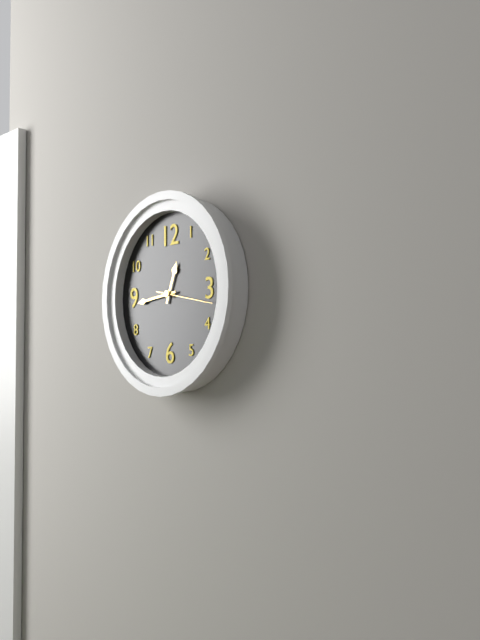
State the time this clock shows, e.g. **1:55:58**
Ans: **12:44:17**
